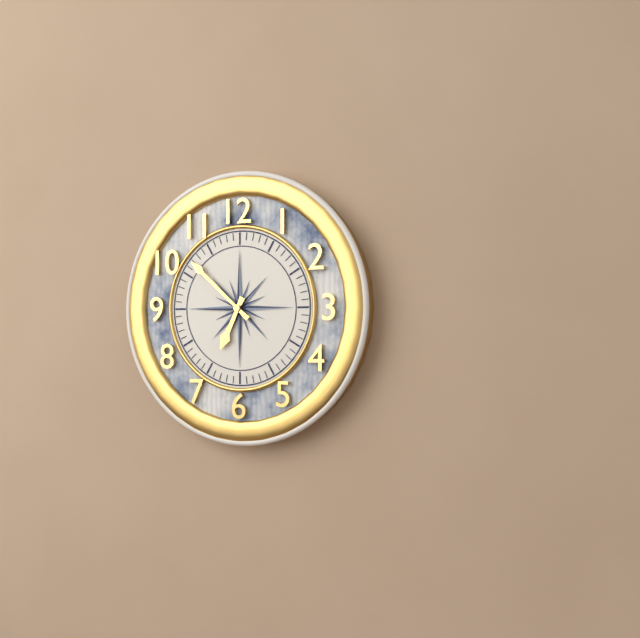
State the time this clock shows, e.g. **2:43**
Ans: **6:52**
